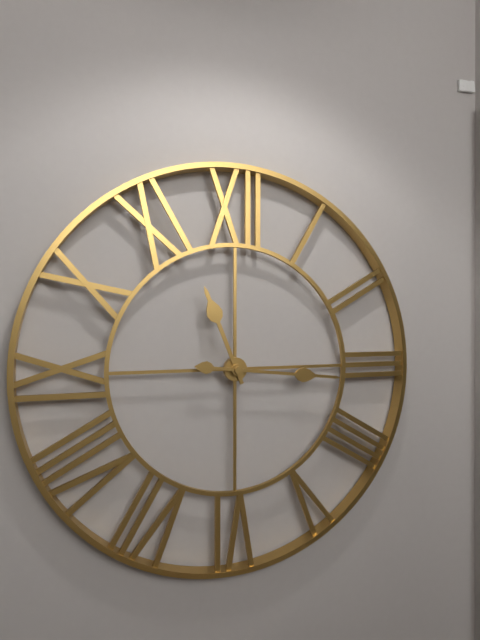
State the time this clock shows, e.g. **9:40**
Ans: **11:16**
